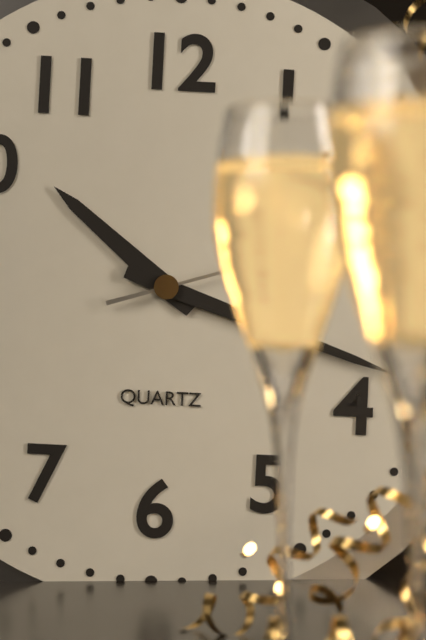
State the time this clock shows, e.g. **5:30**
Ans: **10:18**
